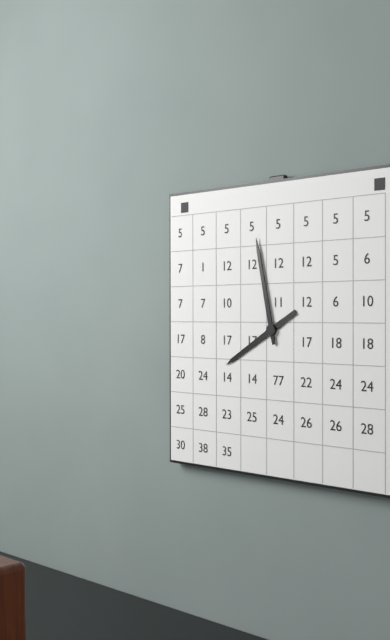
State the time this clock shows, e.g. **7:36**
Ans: **7:58**
